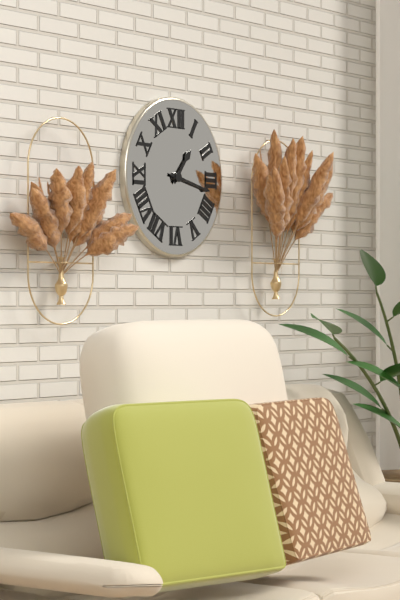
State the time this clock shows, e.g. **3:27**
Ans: **1:17**
